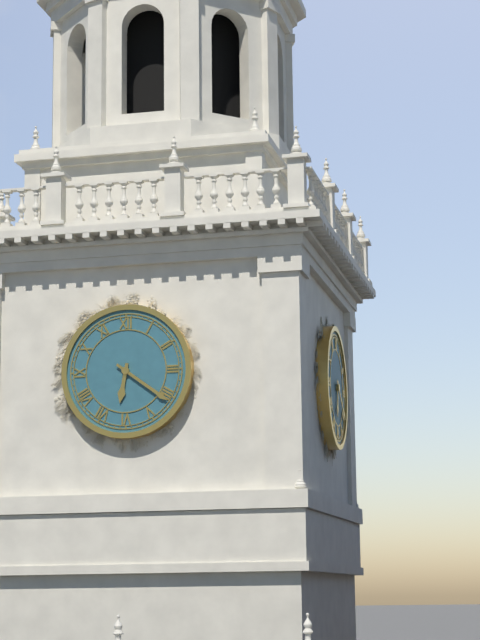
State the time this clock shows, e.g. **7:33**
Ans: **6:21**
